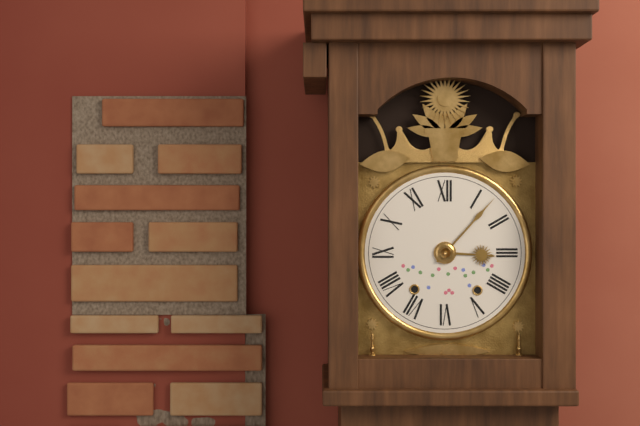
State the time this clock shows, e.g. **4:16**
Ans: **3:07**
